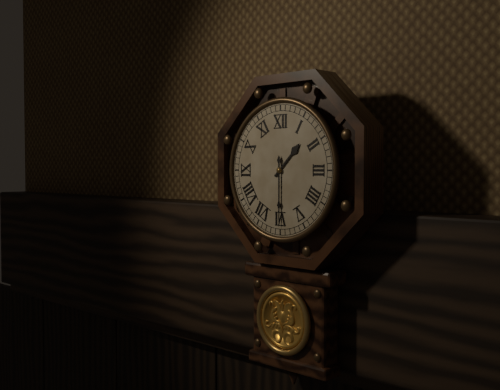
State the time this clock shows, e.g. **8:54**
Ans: **1:30**
